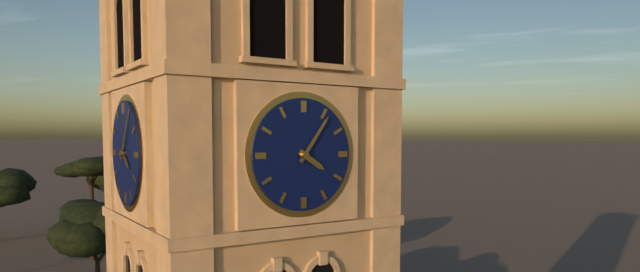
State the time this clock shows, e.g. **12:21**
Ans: **4:06**
